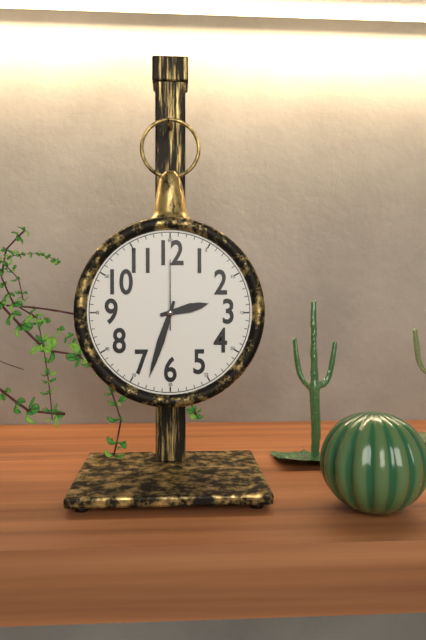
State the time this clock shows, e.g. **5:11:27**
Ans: **2:33:00**
